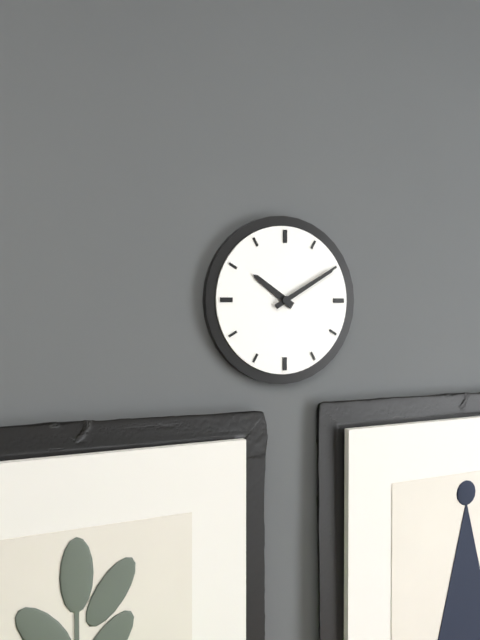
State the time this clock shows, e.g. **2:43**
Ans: **10:10**
